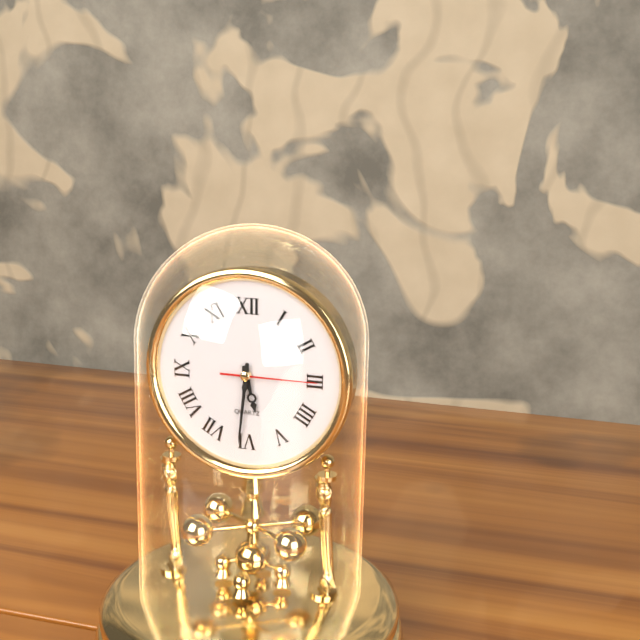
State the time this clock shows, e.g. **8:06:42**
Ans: **5:31:15**
